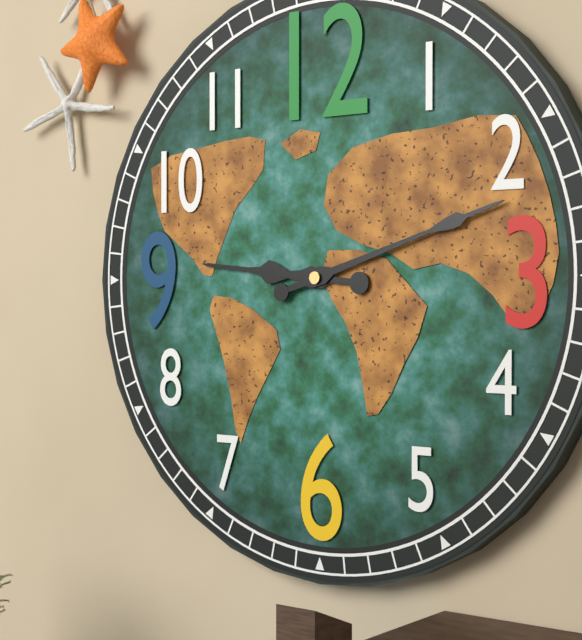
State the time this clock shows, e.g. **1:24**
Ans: **9:12**
